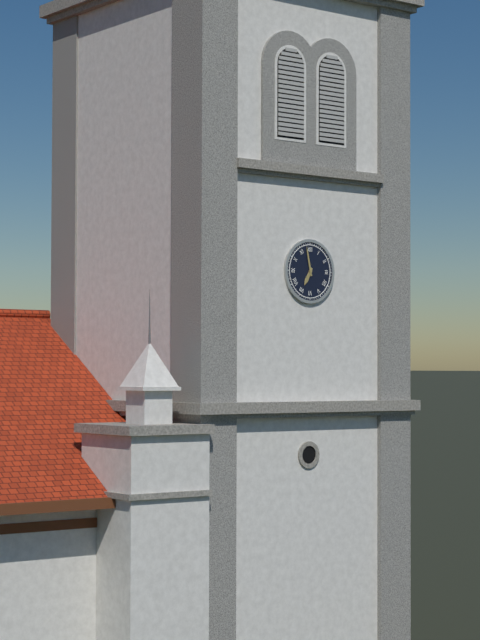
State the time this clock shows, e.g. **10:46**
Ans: **6:58**
